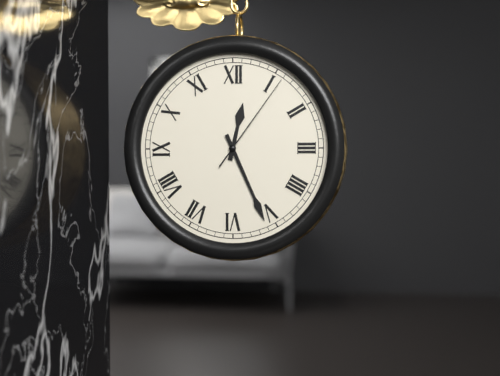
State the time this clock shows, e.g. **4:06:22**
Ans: **12:26:06**
